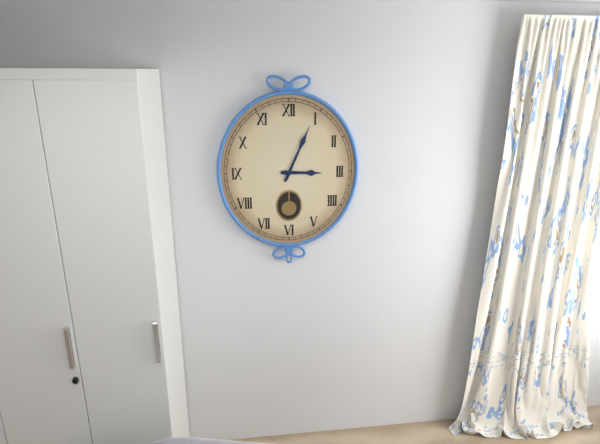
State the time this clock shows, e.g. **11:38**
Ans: **3:04**
